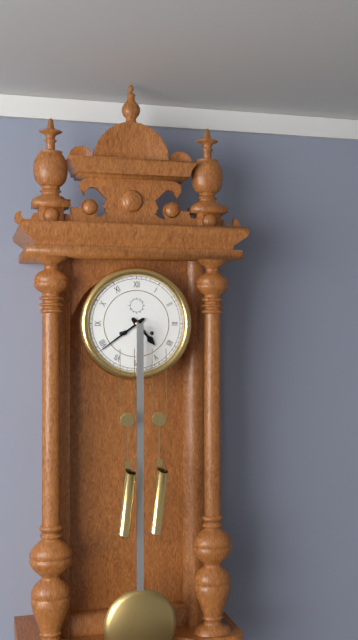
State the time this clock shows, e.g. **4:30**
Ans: **4:39**
